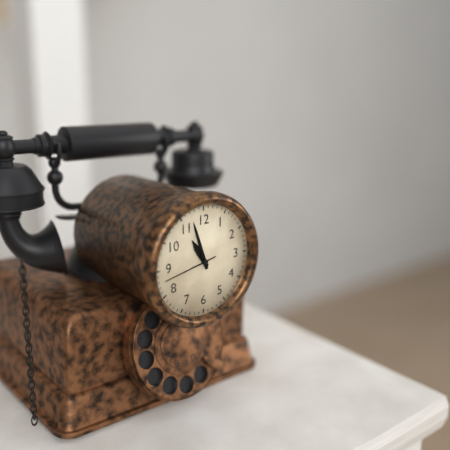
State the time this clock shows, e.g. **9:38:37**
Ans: **10:57:43**
